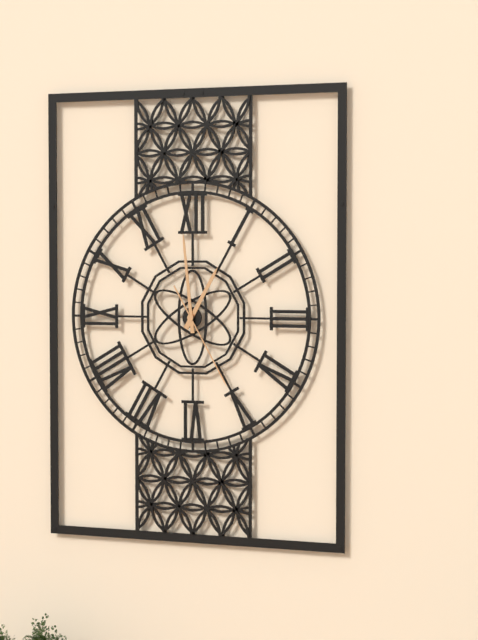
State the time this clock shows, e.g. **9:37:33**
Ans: **12:59:25**
